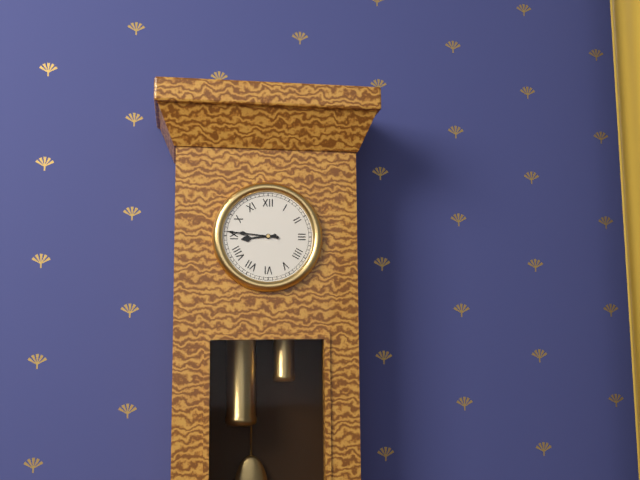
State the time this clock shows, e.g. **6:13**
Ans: **8:46**
